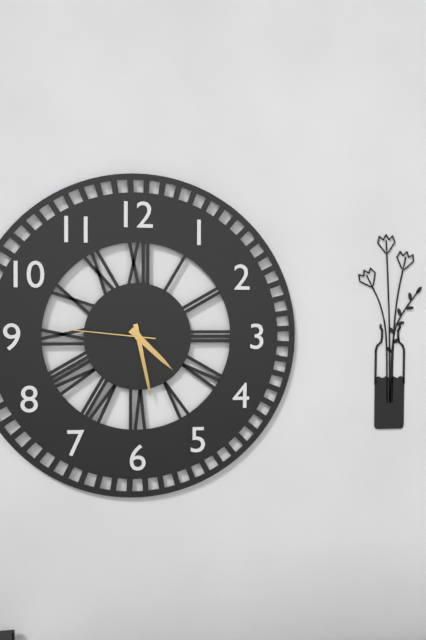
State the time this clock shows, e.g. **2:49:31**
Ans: **4:28:46**
